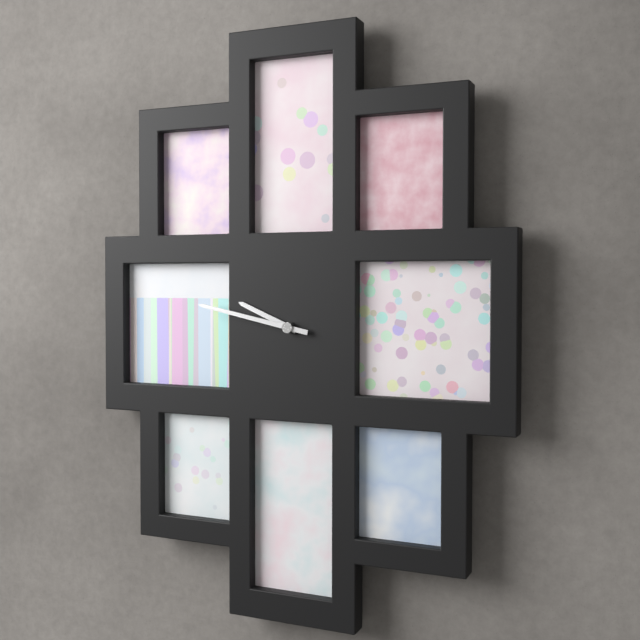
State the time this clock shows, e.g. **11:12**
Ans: **9:47**
